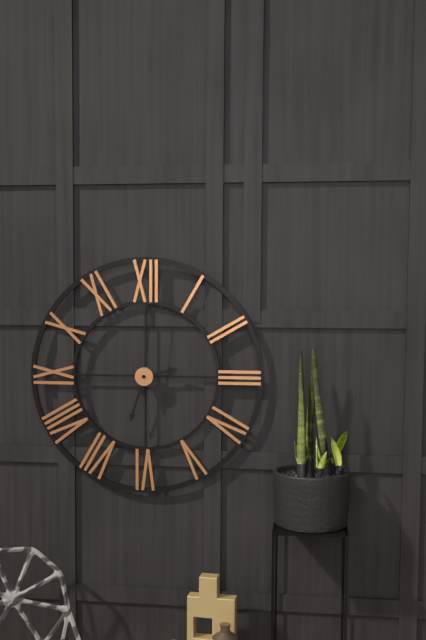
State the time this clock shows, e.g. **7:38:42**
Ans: **2:33:01**
